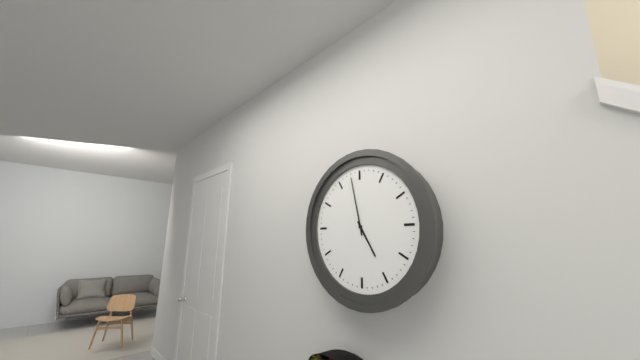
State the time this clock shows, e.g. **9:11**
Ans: **4:58**
